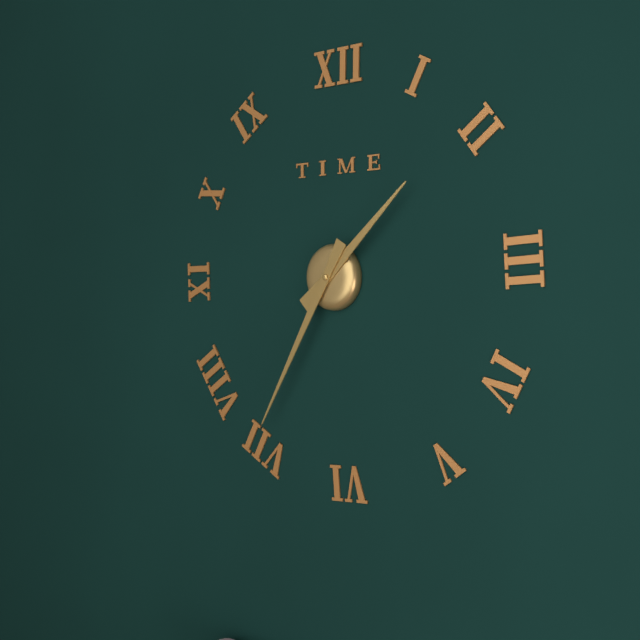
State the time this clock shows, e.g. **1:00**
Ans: **1:35**
